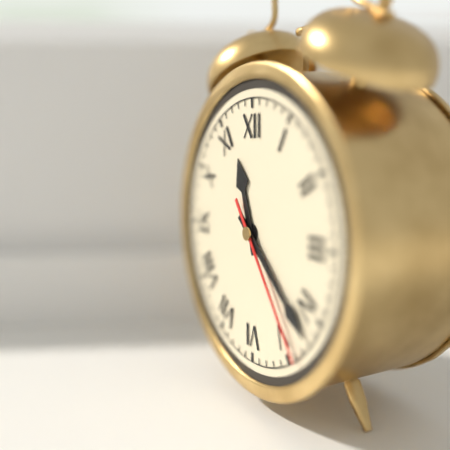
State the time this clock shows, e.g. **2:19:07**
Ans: **11:22:24**
